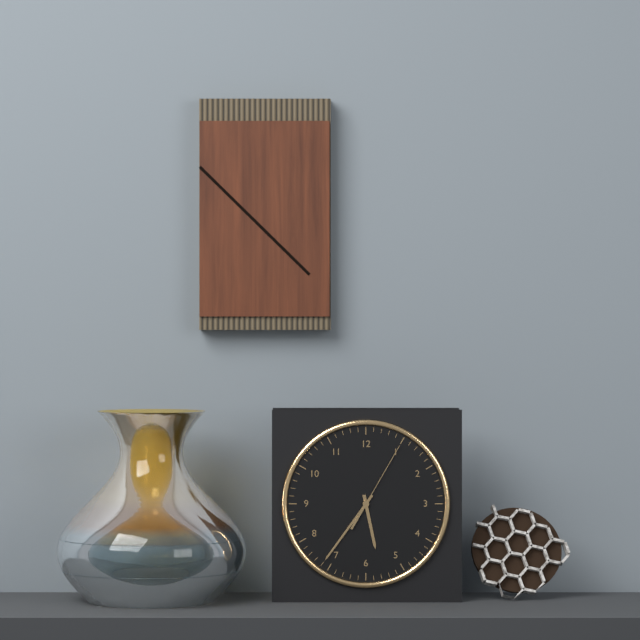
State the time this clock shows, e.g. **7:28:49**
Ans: **5:36:05**
